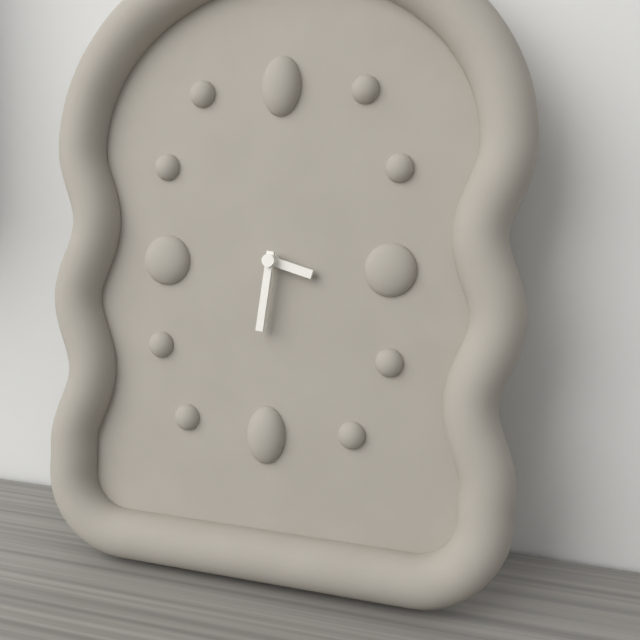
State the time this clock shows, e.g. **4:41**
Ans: **3:31**
